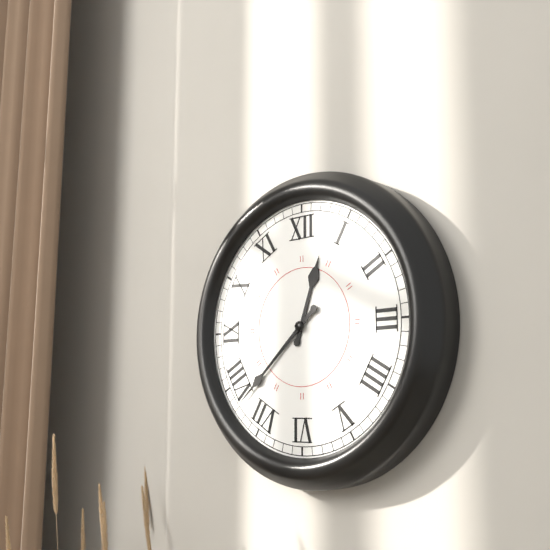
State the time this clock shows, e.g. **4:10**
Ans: **12:38**
